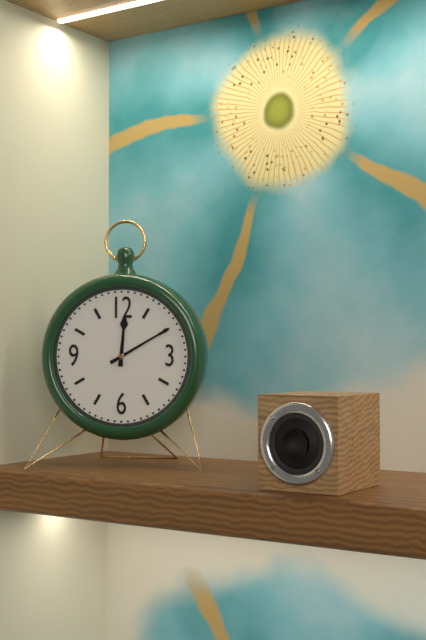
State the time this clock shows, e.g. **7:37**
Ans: **12:10**
